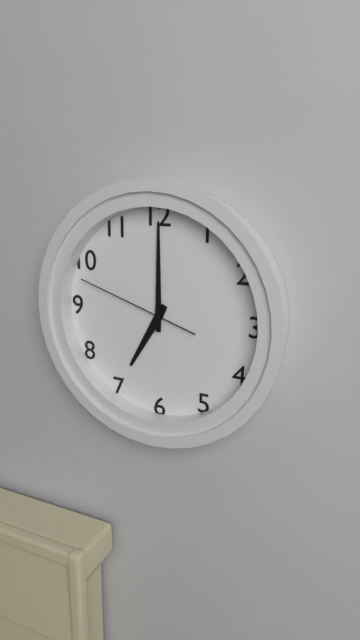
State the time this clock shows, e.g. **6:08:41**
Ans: **7:00:48**
